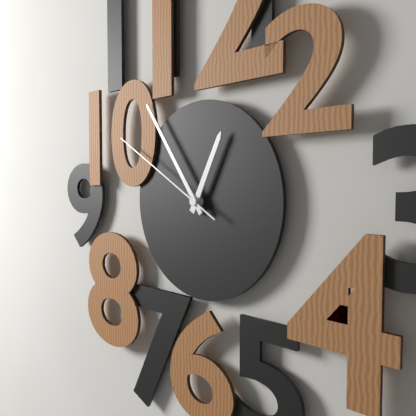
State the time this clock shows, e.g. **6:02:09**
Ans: **12:54:50**
